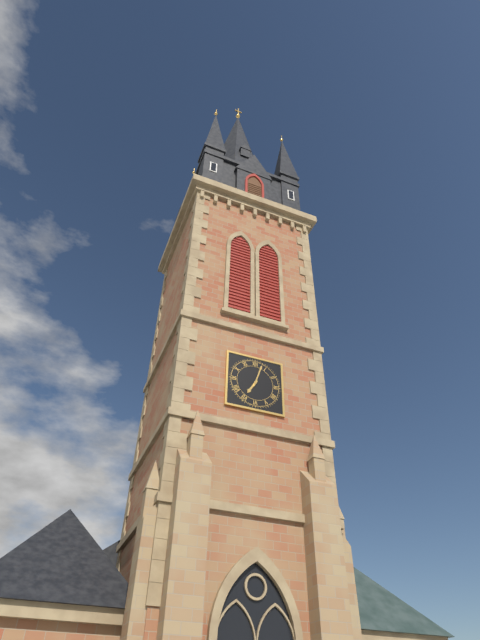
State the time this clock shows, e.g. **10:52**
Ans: **7:03**
